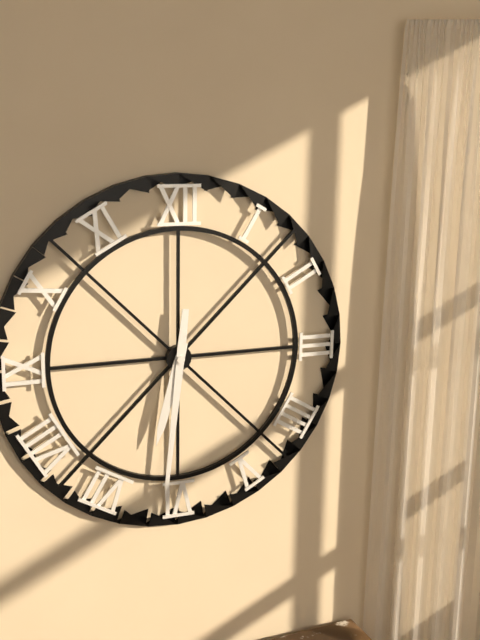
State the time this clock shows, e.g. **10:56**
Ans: **6:31**
